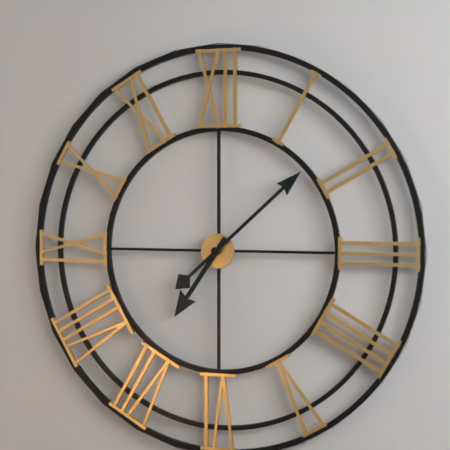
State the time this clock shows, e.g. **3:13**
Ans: **7:08**
